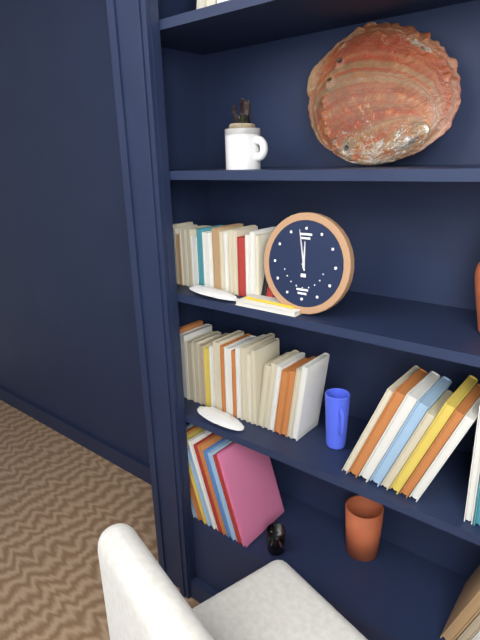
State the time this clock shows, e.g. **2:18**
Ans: **11:58**
